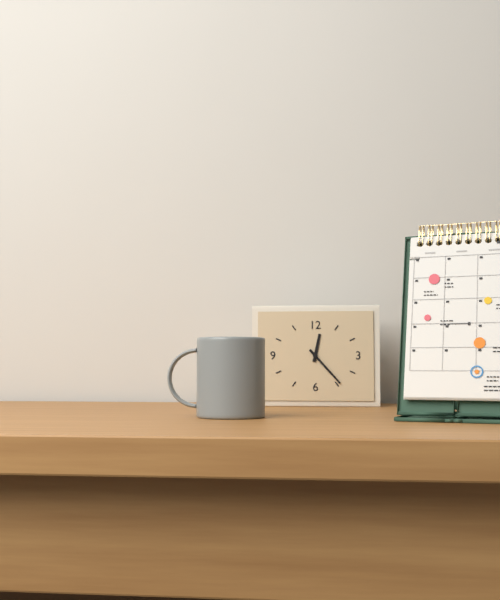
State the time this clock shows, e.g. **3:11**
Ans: **12:23**
